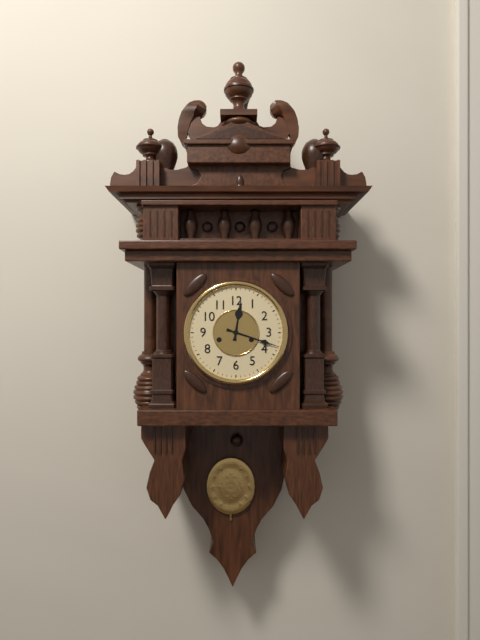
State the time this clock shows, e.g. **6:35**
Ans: **12:18**
